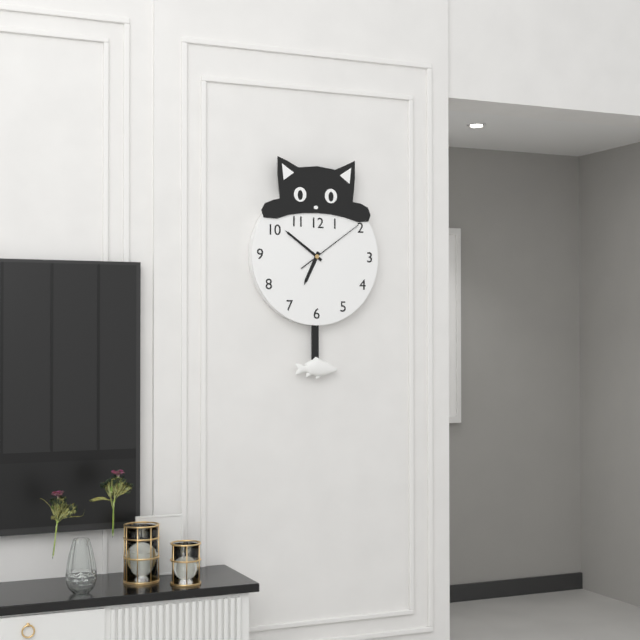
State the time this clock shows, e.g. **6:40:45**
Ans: **6:51:09**
